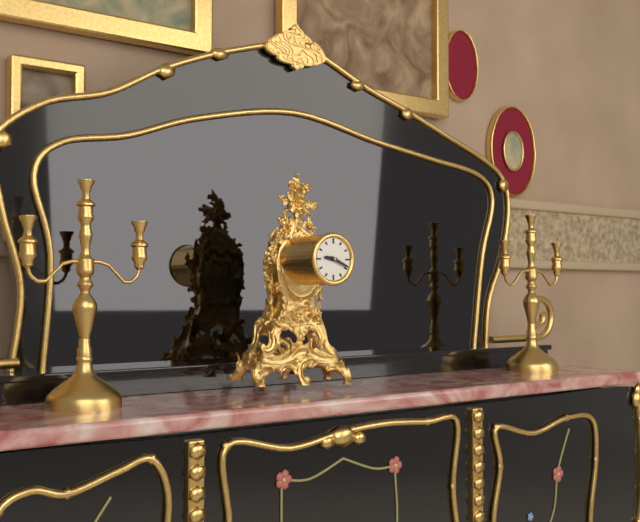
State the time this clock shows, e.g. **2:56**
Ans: **9:19**
